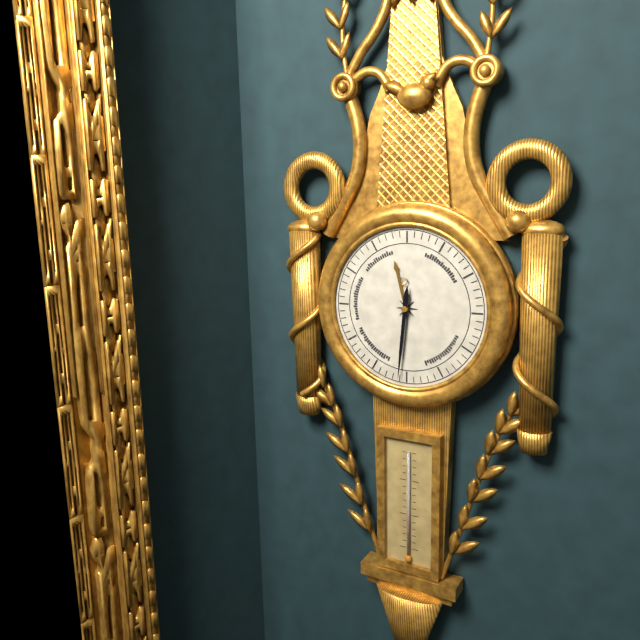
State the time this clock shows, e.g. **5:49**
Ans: **11:31**
